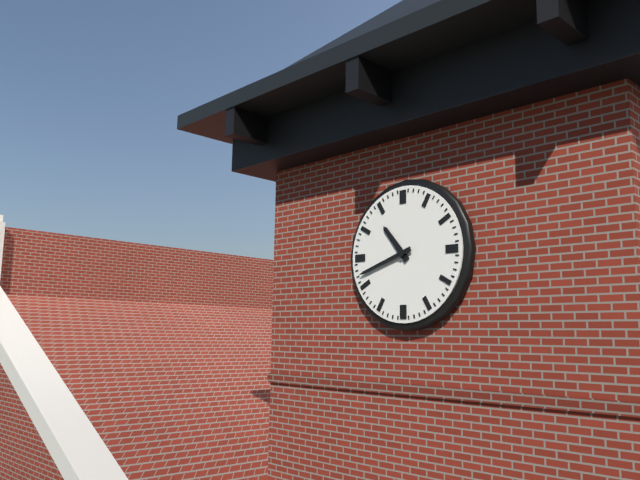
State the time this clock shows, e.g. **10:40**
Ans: **10:42**
